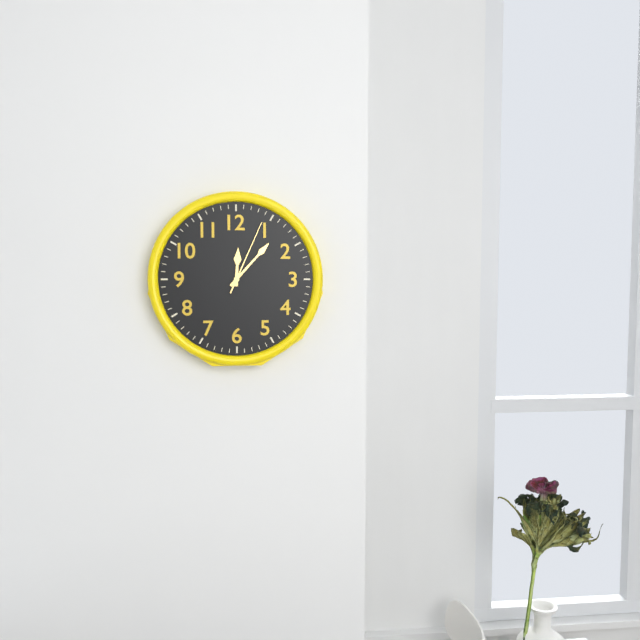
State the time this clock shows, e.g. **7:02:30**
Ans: **12:07:04**
